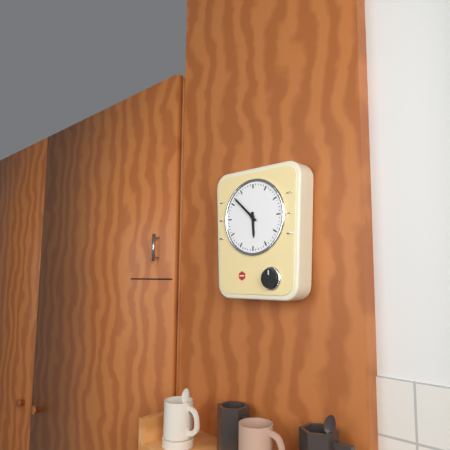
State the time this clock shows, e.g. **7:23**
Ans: **5:52**
